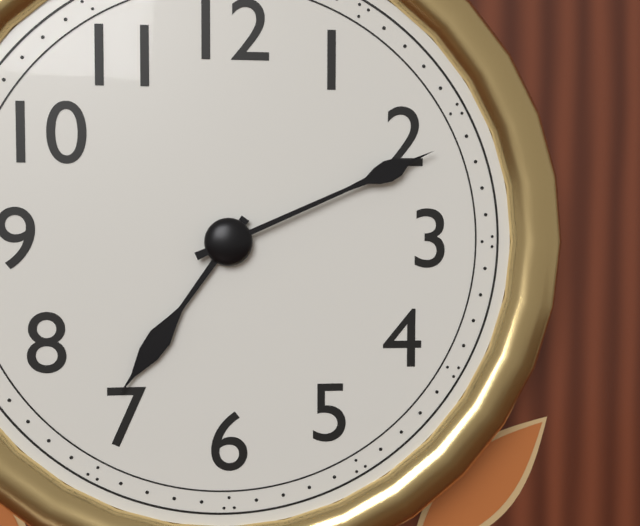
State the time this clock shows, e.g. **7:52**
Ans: **7:11**
